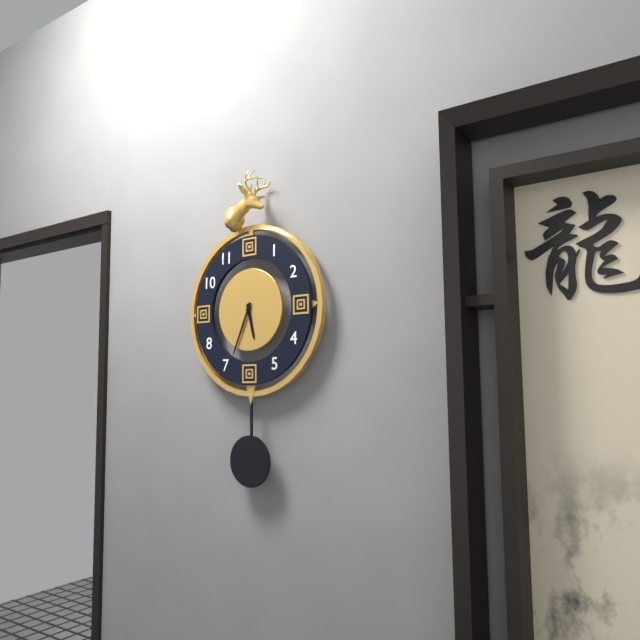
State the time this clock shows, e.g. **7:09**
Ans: **5:34**
